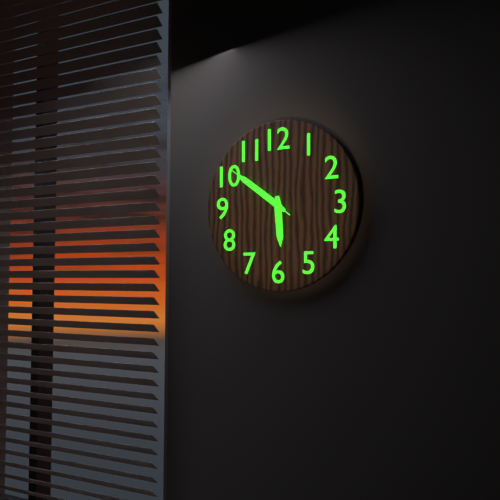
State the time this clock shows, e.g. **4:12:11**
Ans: **5:51:51**
